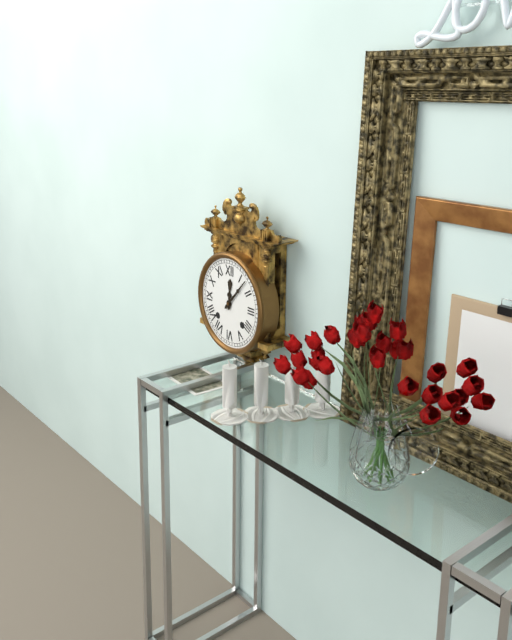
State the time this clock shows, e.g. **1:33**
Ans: **12:07**
